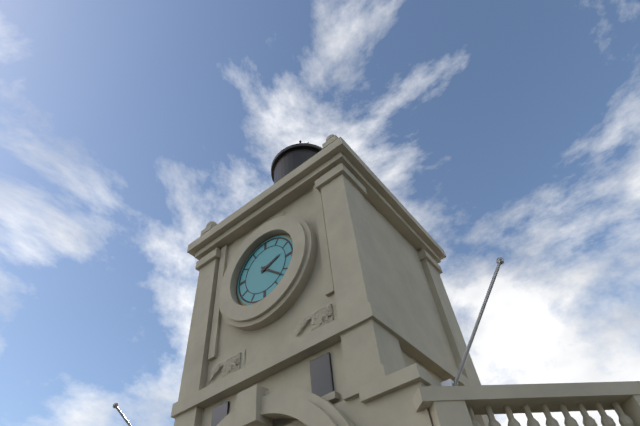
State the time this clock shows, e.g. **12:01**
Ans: **2:22**
